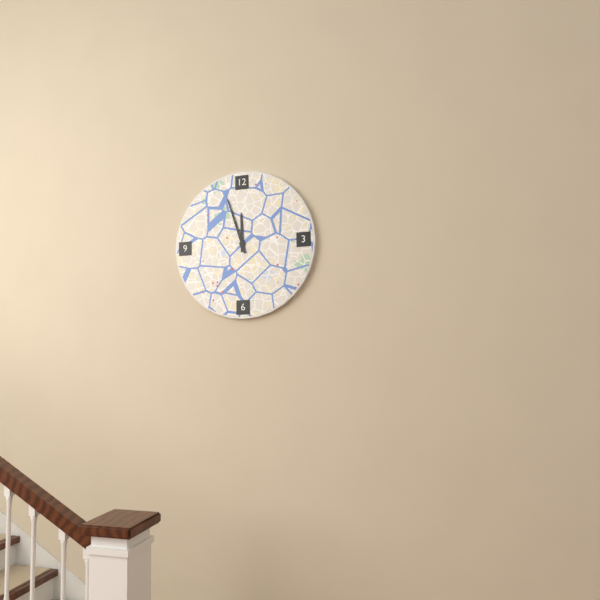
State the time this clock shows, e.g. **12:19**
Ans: **11:57**
